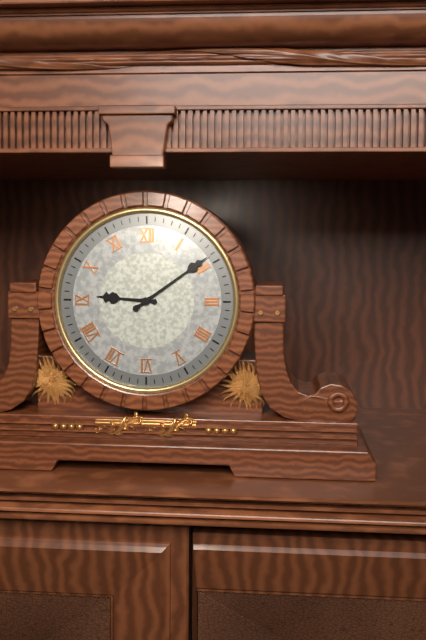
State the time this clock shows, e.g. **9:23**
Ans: **9:09**
